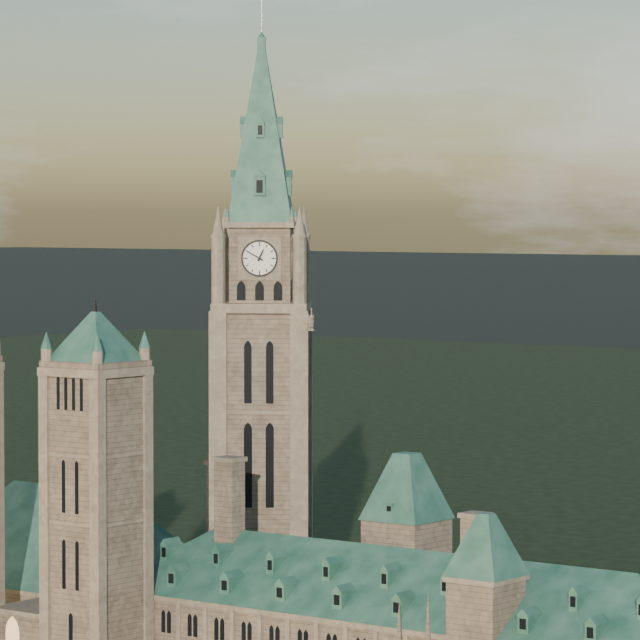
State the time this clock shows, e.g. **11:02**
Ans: **12:50**
